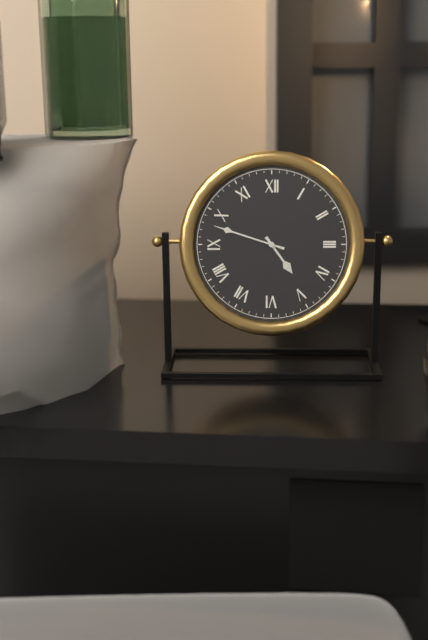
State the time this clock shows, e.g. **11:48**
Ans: **4:48**
